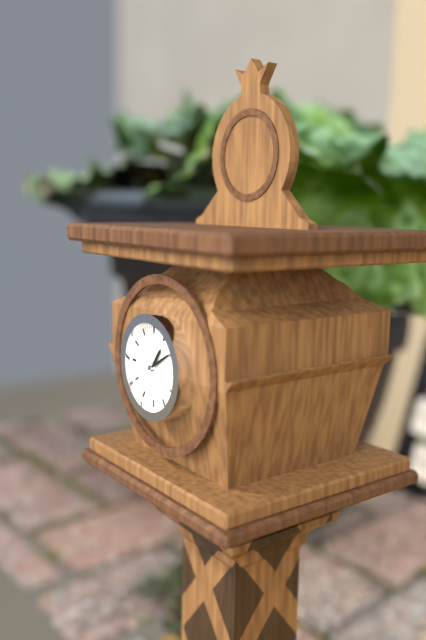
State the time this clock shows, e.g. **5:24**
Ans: **1:10**
